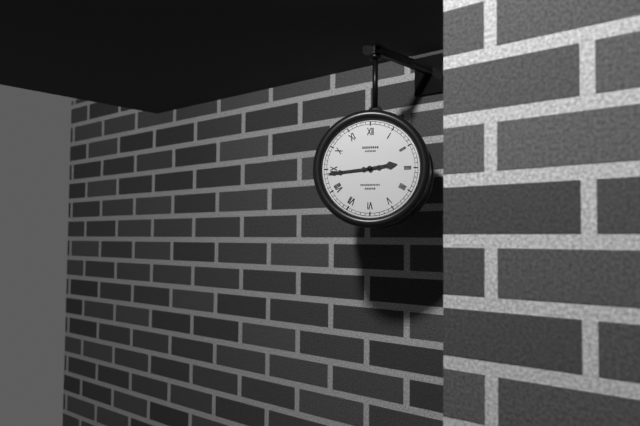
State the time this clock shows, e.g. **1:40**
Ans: **2:44**
